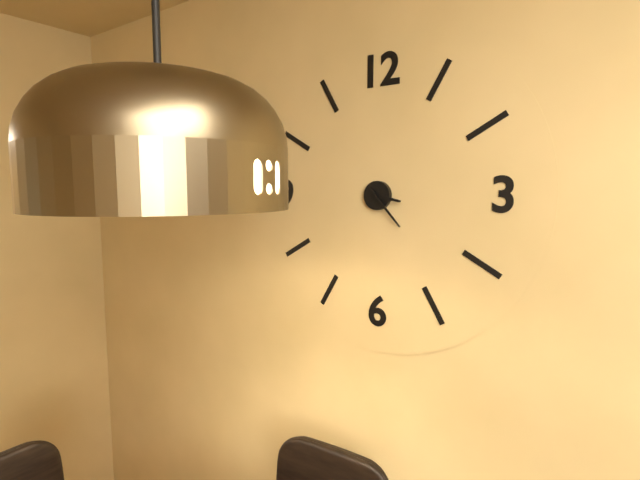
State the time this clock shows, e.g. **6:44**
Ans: **3:23**
